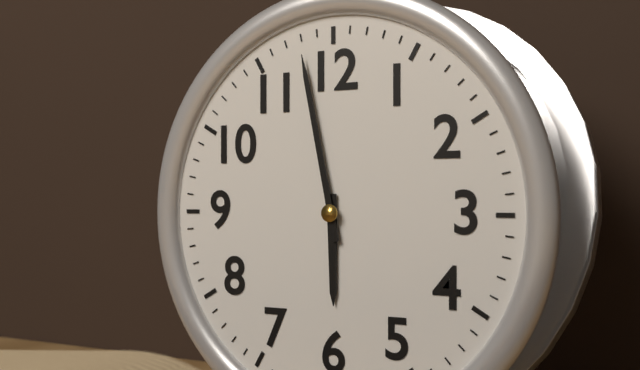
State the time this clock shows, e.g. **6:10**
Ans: **5:58**
